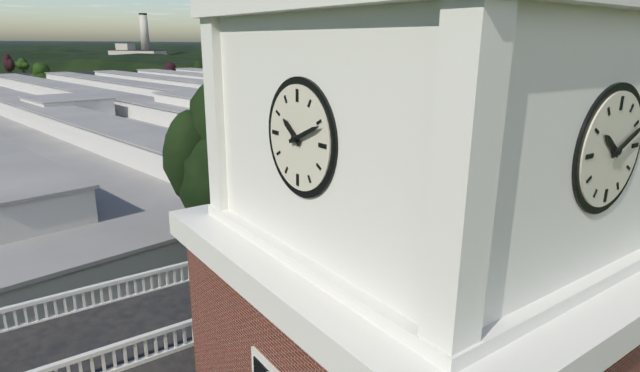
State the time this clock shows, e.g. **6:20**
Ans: **10:11**
